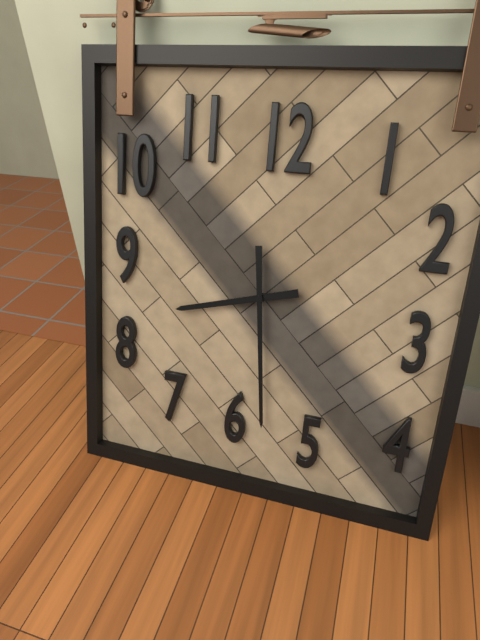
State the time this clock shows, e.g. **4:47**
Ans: **8:29**
